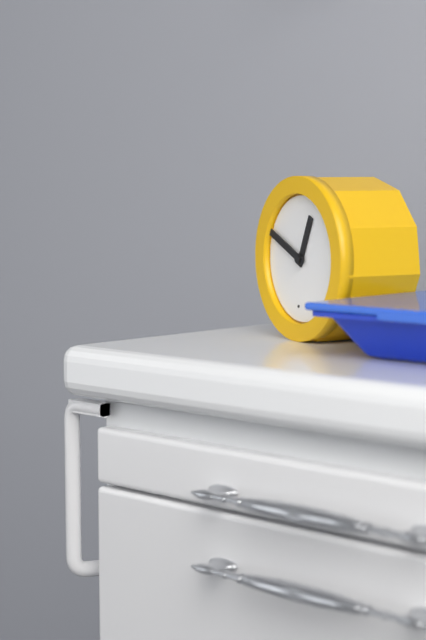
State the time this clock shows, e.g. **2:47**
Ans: **12:49**
